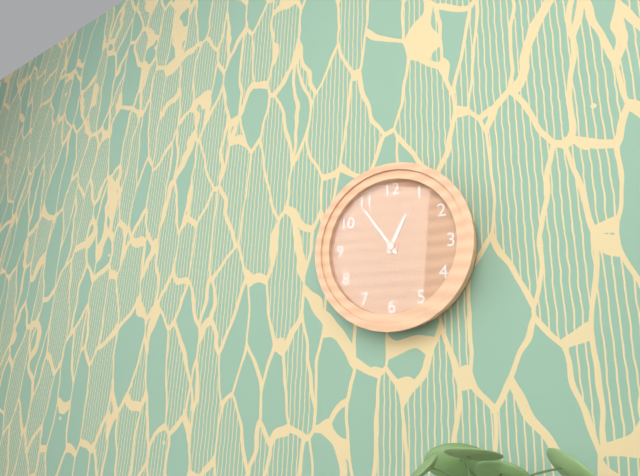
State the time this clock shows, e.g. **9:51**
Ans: **12:54**
